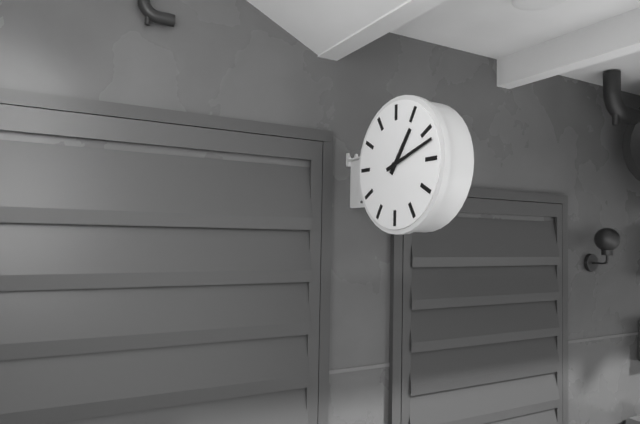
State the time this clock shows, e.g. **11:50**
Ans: **1:12**
